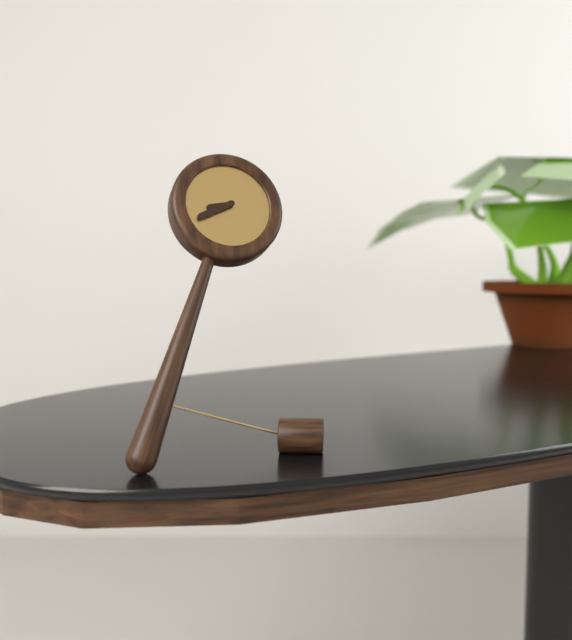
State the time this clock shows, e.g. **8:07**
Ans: **8:41**
